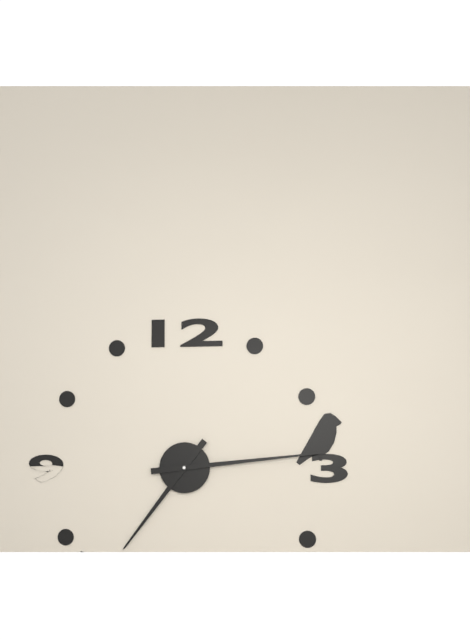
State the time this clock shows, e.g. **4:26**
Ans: **7:14**
